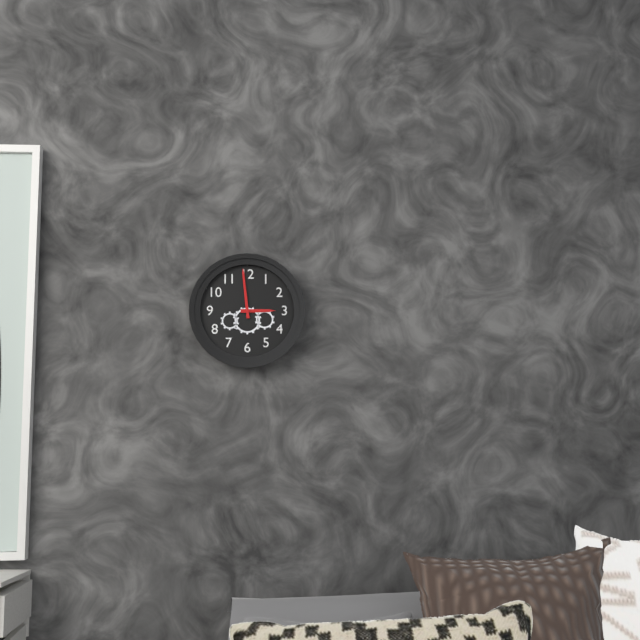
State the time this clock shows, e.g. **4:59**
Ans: **2:59**
